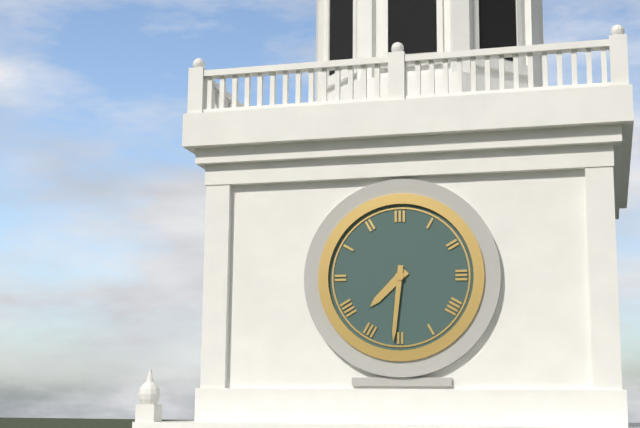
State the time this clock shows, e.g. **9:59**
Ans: **7:31**
